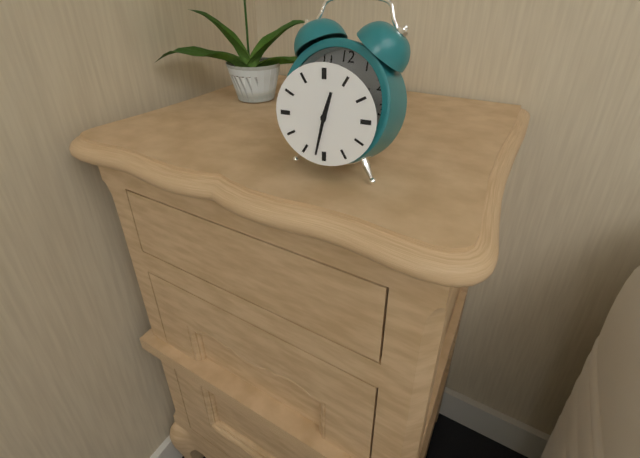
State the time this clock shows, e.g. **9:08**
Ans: **12:32**
